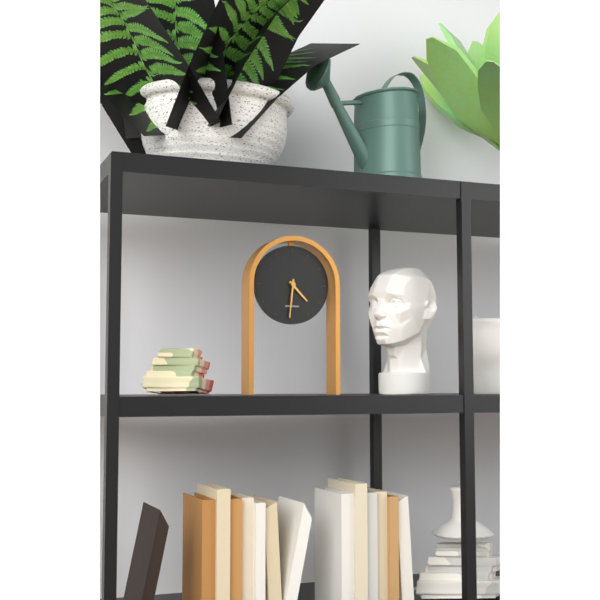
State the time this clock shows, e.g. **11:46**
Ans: **4:31**
